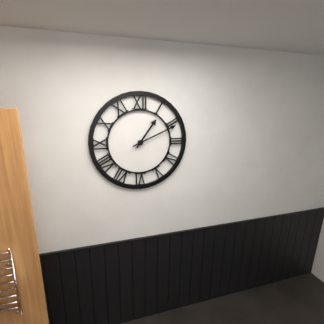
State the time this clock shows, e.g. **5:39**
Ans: **1:11**
